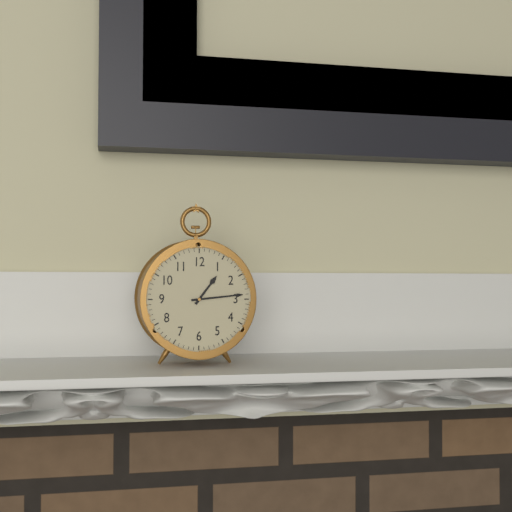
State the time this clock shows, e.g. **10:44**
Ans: **1:14**
